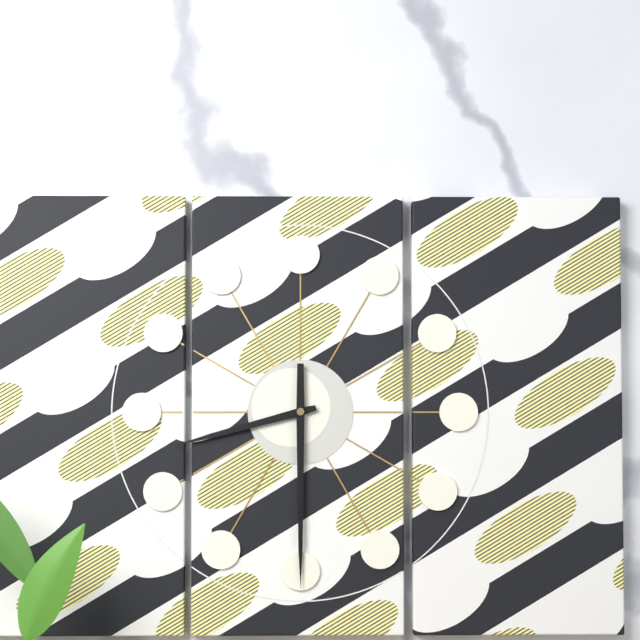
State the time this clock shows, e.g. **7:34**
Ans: **8:30**
